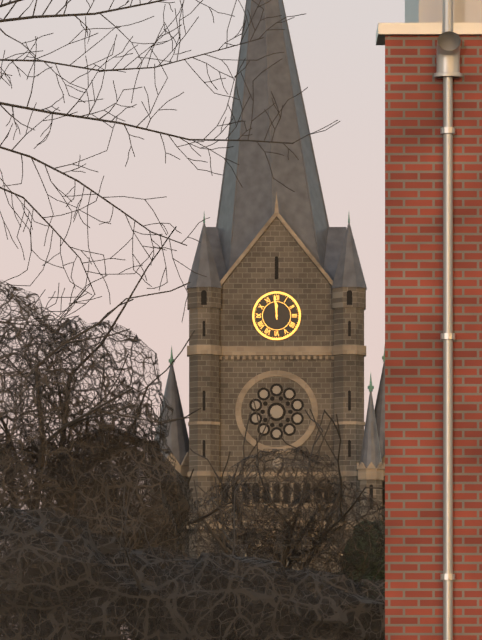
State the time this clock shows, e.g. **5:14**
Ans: **11:59**
